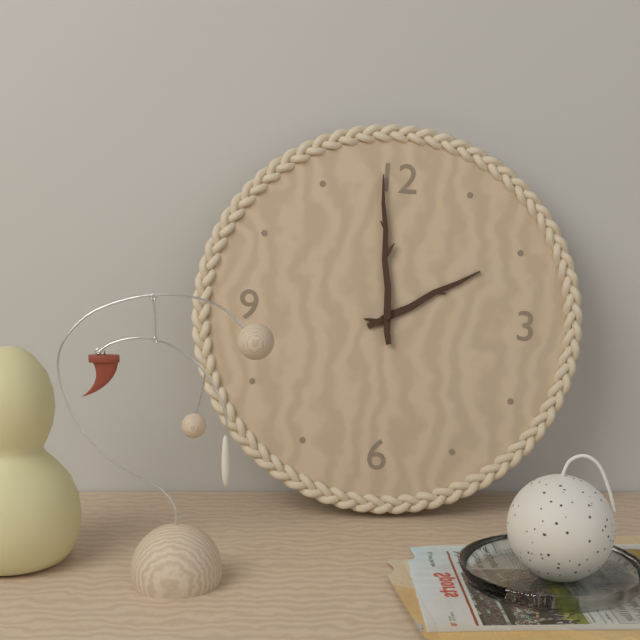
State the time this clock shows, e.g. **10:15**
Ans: **1:59**
